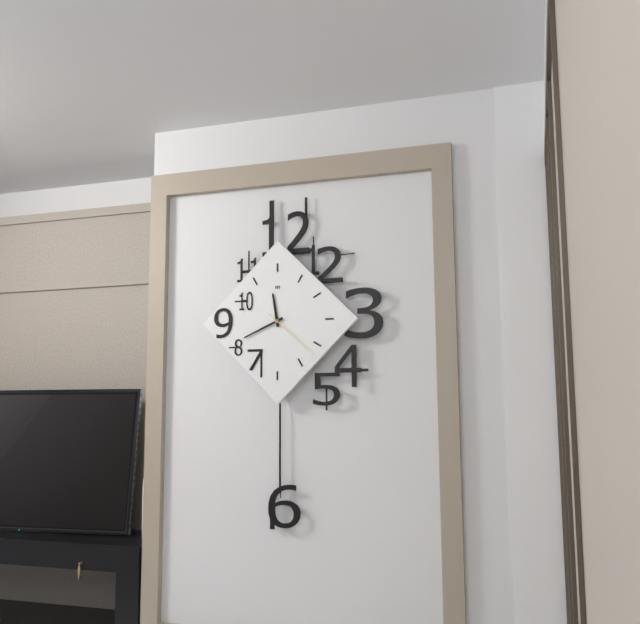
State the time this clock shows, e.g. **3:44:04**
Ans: **11:41:22**
